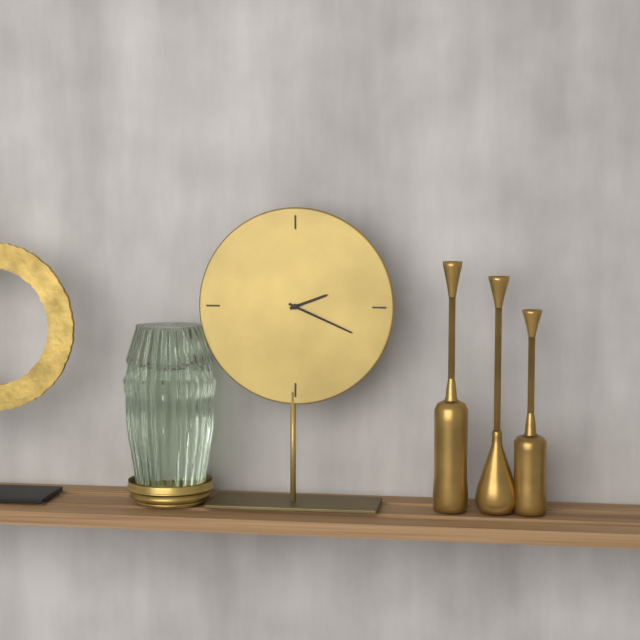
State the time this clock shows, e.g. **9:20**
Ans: **2:19**
